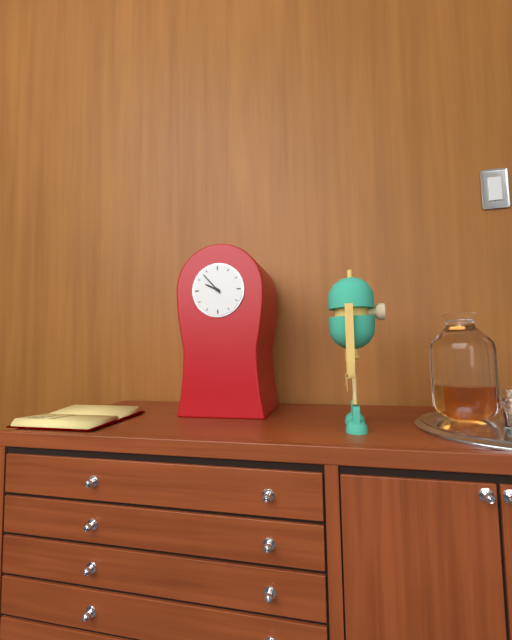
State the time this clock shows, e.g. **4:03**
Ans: **9:53**
